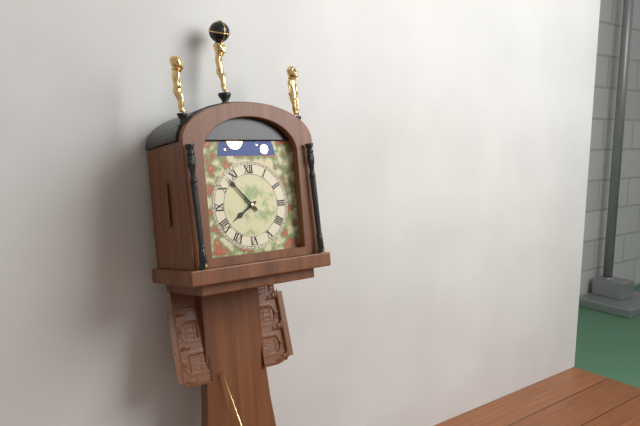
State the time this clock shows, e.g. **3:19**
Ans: **7:53**
